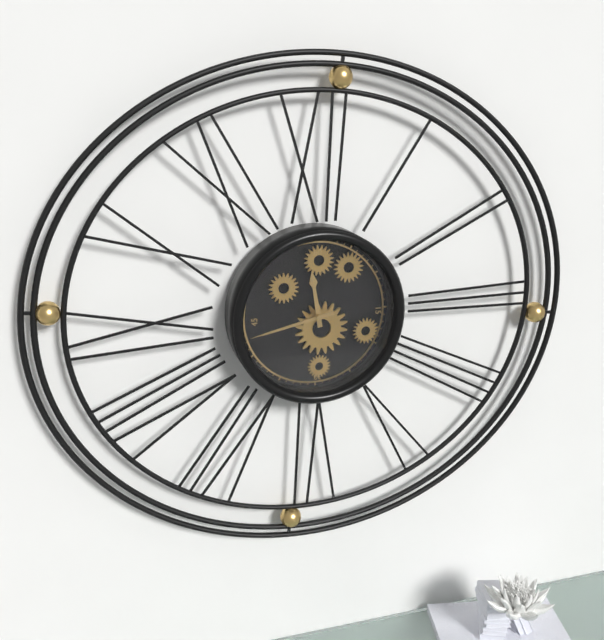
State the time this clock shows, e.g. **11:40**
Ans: **11:43**
